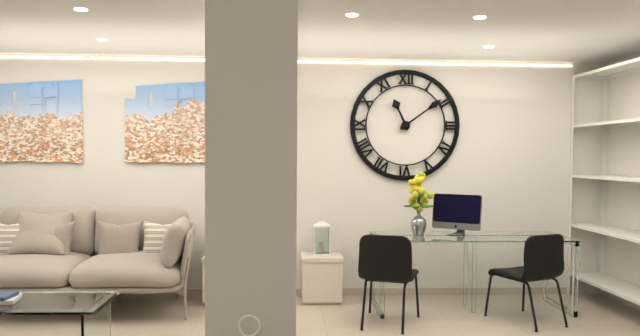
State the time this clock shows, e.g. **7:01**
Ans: **11:09**
